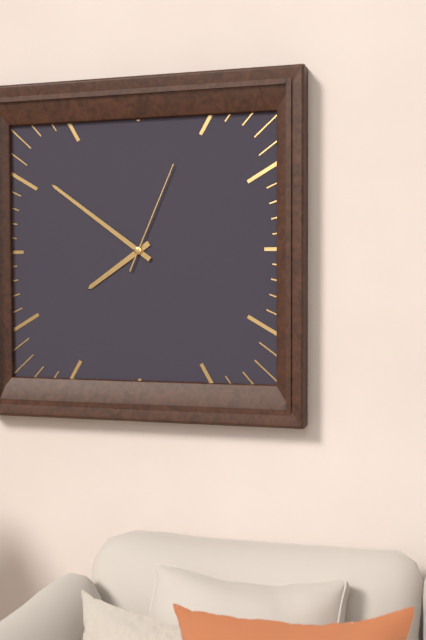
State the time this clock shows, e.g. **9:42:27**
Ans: **7:51:04**
